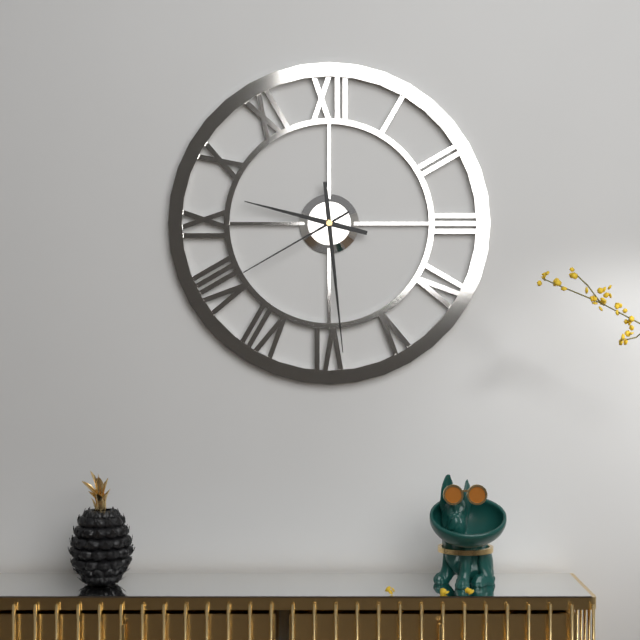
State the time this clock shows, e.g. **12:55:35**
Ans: **9:29:40**
